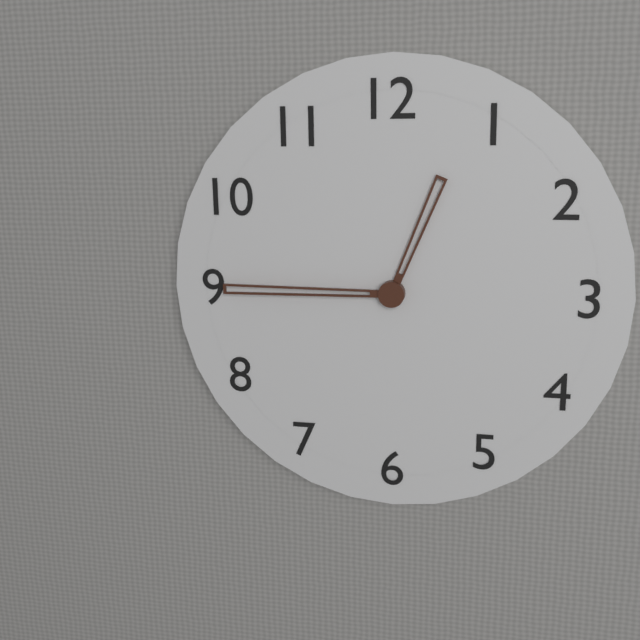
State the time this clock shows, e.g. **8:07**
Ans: **12:45**
